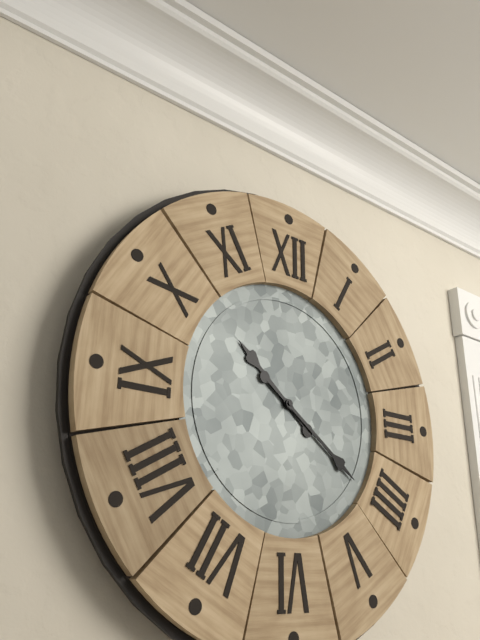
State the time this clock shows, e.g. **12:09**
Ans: **10:21**
